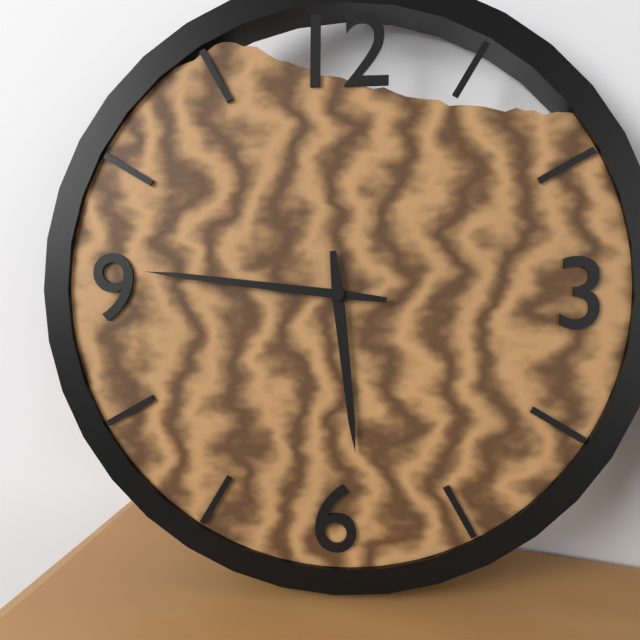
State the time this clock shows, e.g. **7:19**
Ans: **5:46**
